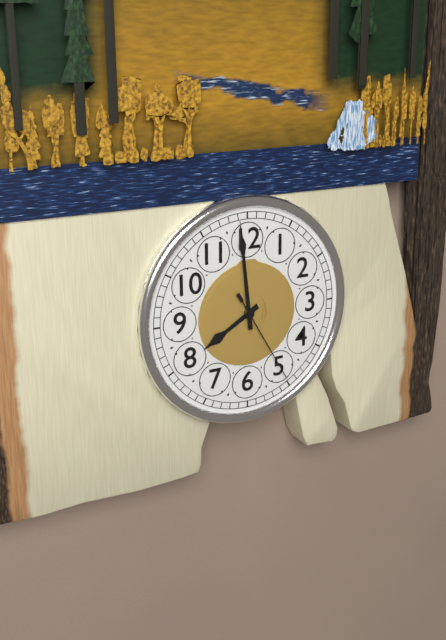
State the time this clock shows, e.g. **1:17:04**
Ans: **7:59:25**
